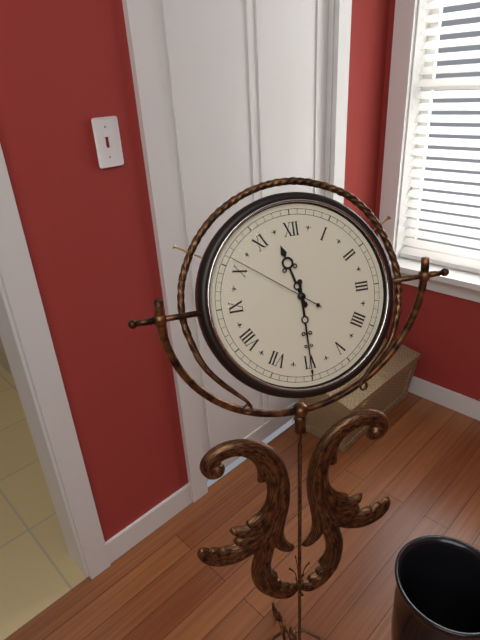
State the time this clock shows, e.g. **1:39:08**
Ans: **11:30:51**
